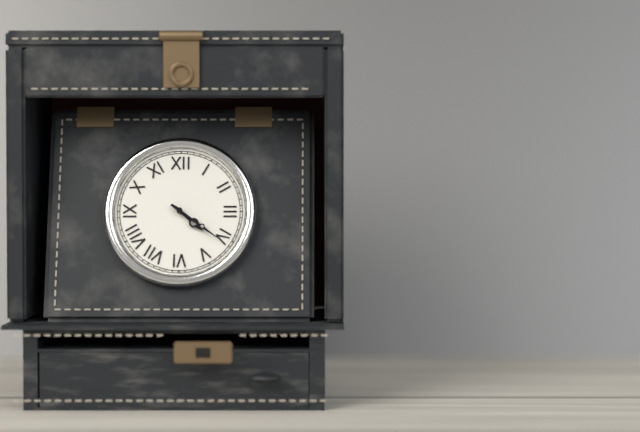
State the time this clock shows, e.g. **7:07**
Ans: **4:21**
